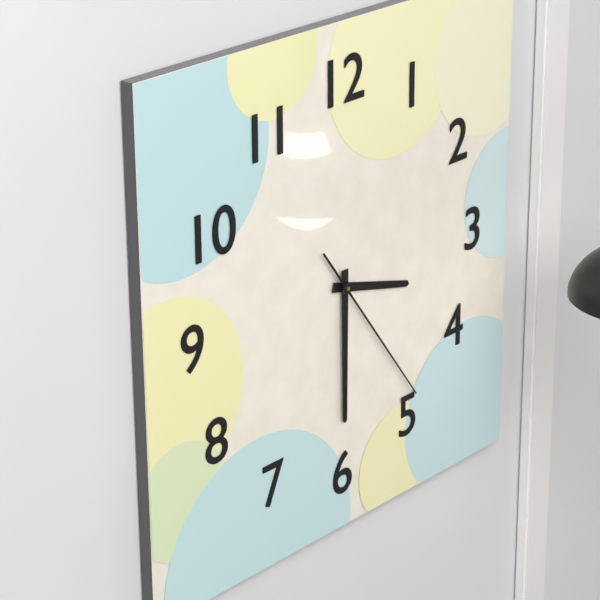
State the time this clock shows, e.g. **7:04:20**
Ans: **3:30:24**
